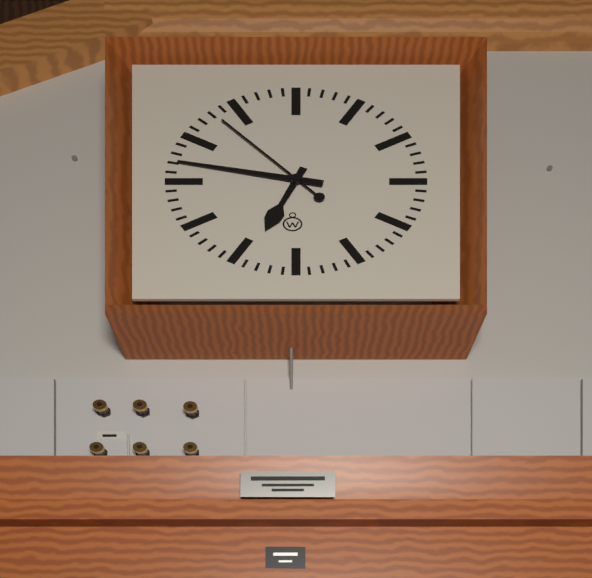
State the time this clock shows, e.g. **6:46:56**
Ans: **6:47:53**
